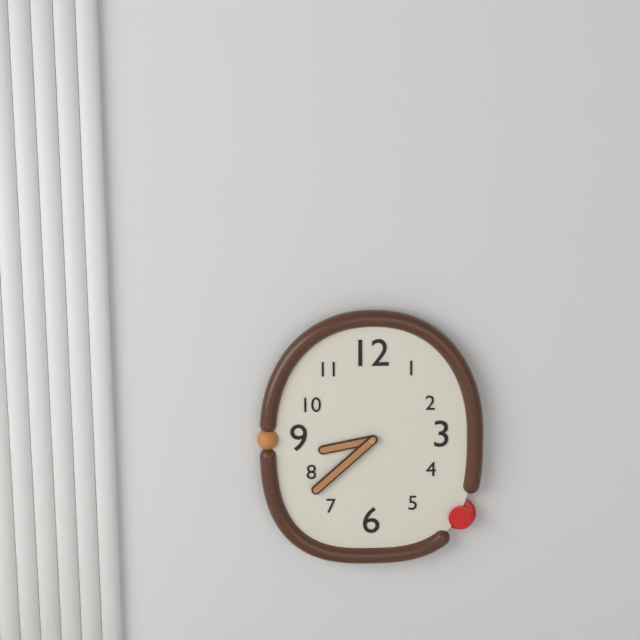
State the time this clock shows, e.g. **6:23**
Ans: **8:38**
